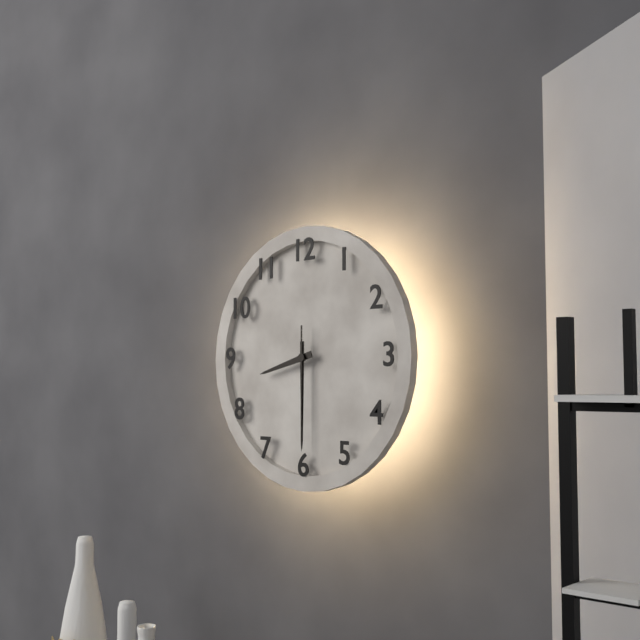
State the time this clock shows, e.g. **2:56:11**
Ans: **8:30:30**
